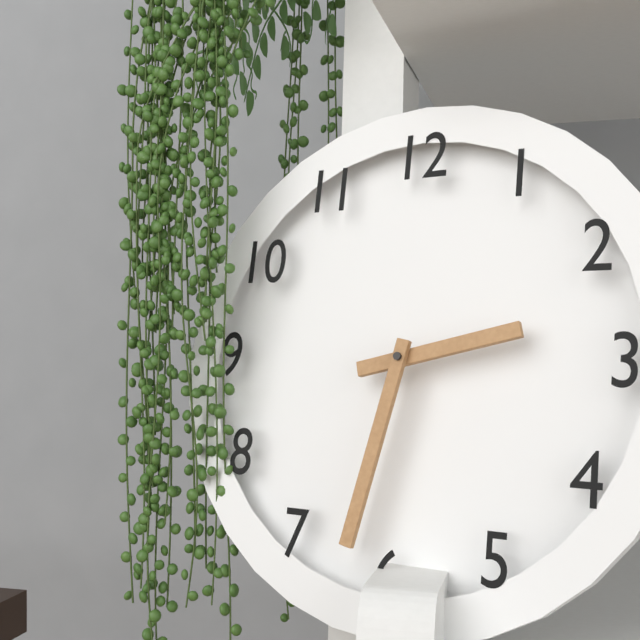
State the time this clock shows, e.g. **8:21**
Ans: **2:32**
